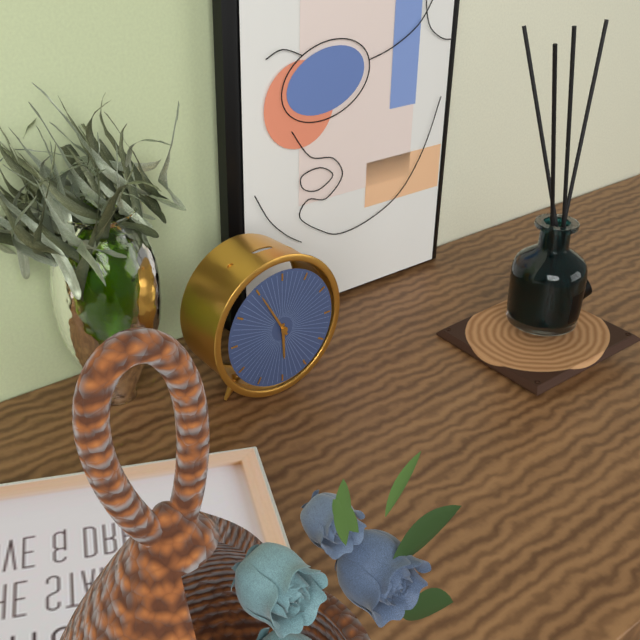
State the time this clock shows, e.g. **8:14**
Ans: **5:55**
